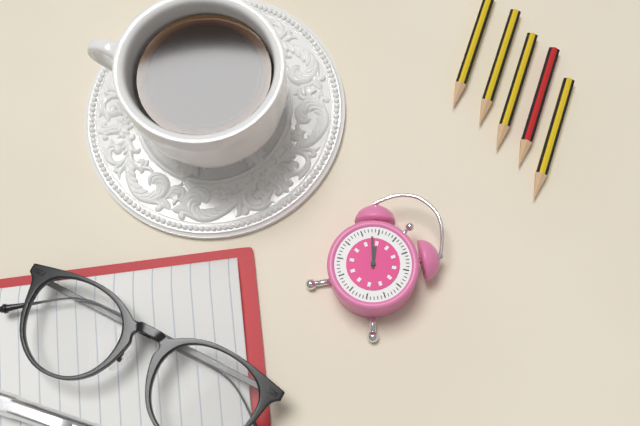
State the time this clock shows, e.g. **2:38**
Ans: **10:53**
